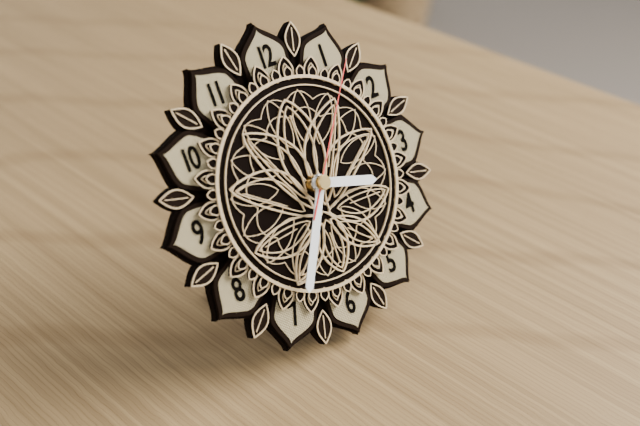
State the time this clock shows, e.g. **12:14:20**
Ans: **3:35:06**
